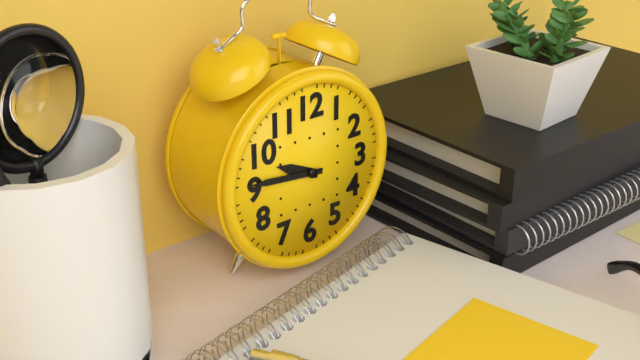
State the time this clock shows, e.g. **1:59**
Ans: **9:46**
